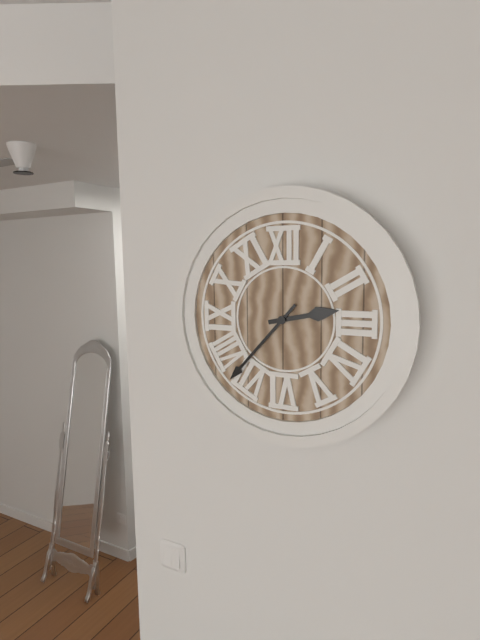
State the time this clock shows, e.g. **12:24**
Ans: **2:37**
